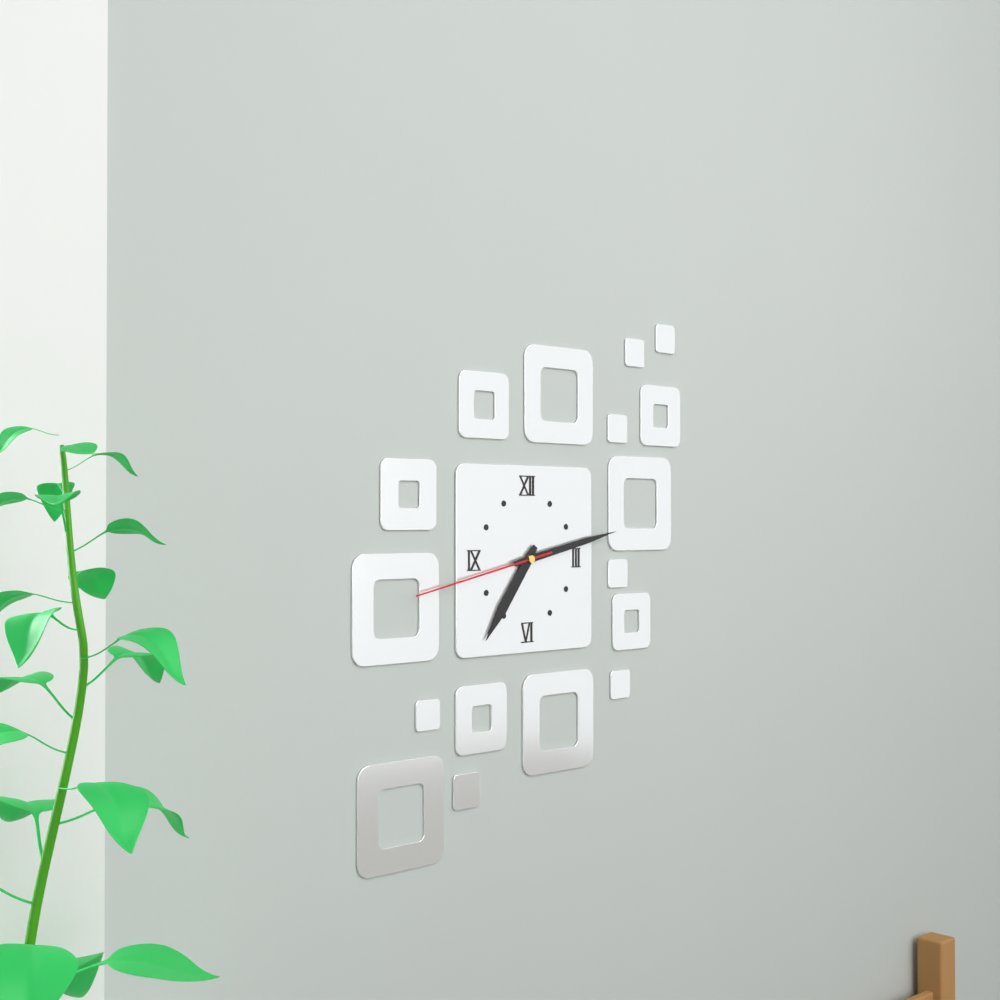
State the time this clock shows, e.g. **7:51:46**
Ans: **7:13:43**
